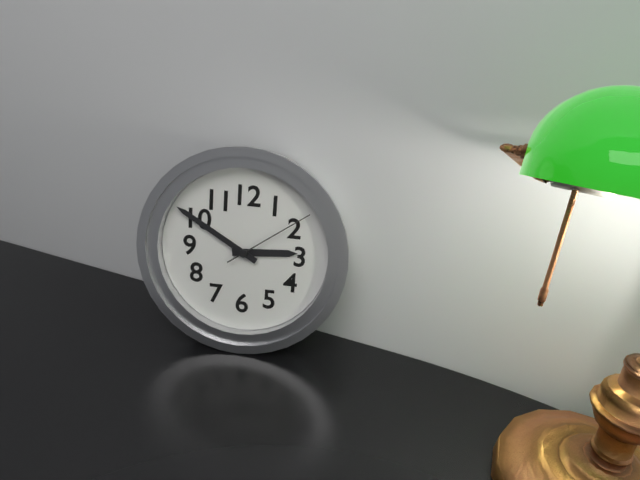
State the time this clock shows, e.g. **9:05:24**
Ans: **2:50:09**
